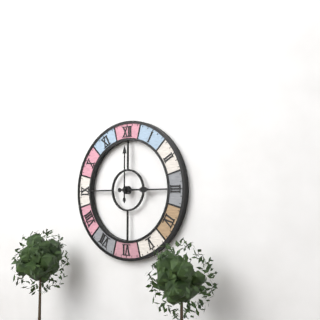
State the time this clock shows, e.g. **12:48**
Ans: **3:00**
